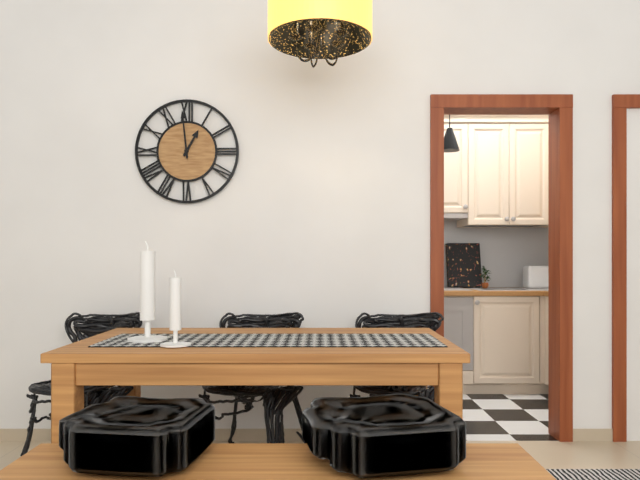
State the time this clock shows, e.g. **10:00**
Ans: **12:59**
